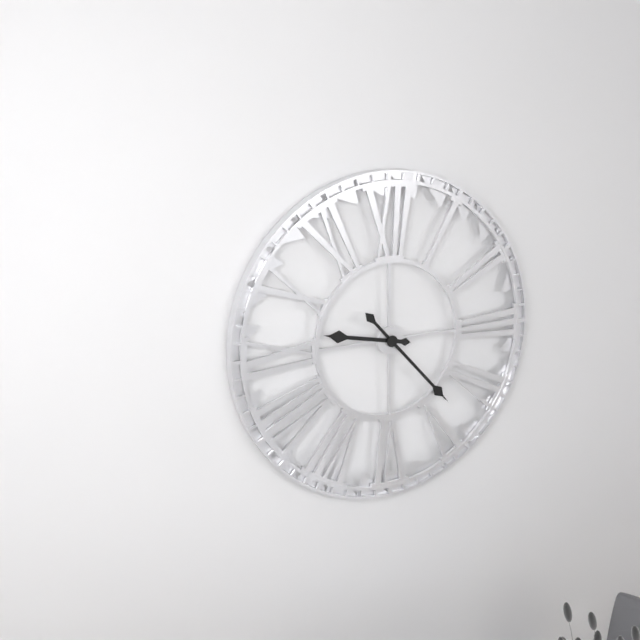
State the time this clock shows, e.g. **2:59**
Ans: **9:23**
